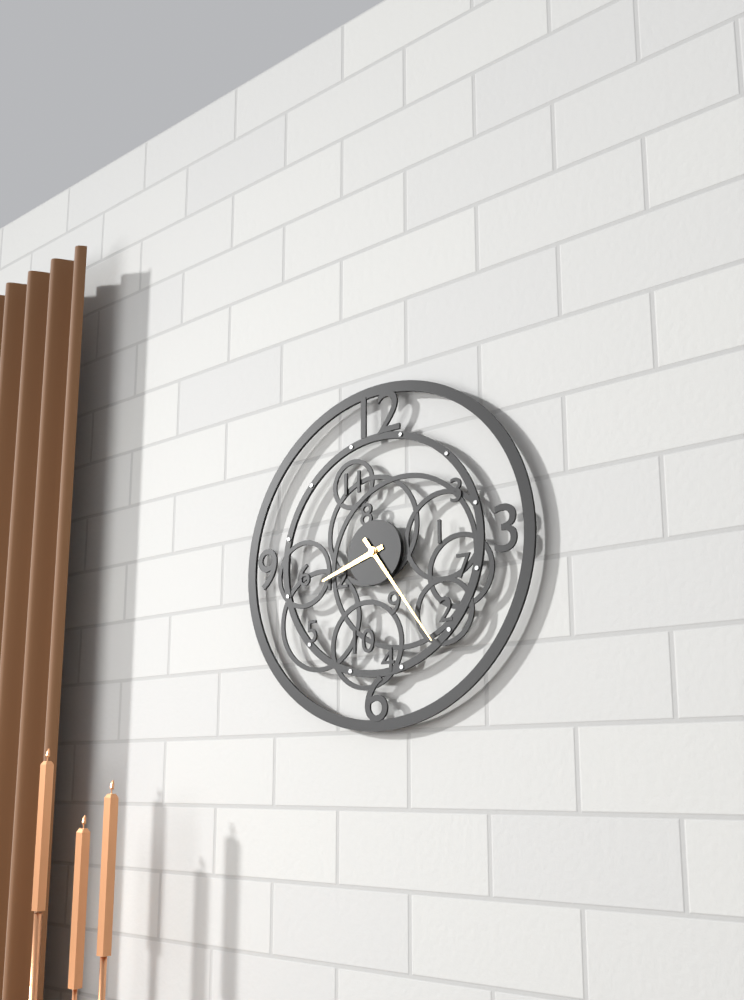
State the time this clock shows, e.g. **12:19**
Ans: **8:24**
